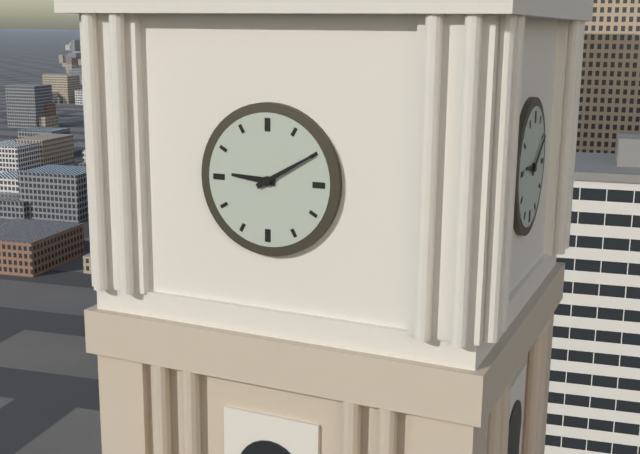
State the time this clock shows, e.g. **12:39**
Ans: **9:10**
